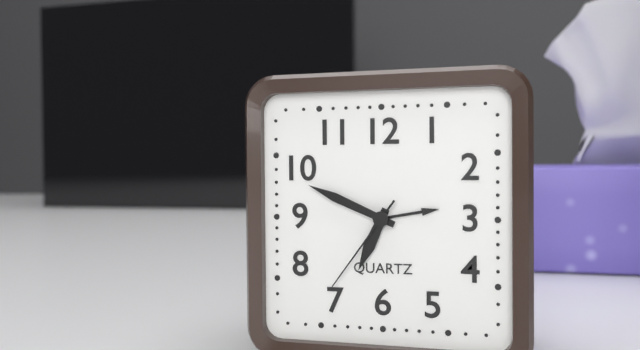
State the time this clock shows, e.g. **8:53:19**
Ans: **6:49:36**
